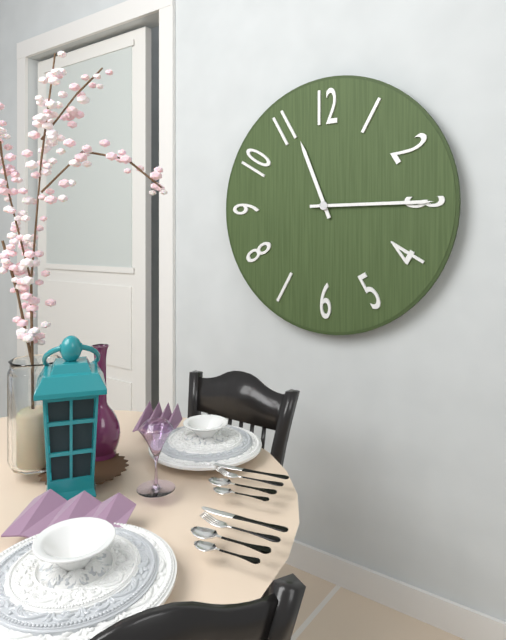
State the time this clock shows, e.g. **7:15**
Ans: **11:15**
